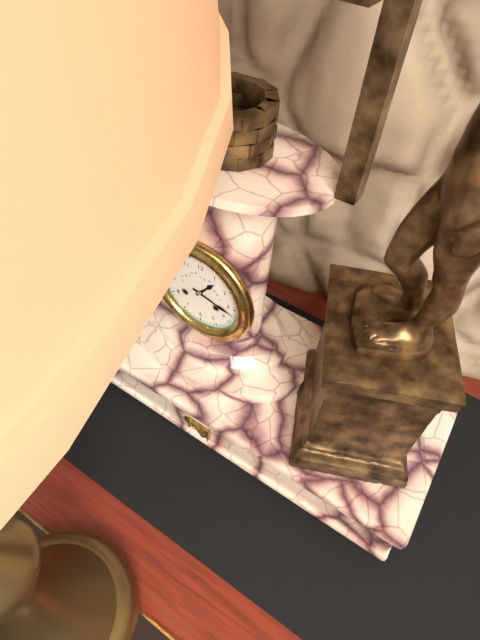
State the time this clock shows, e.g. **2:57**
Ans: **1:17**
